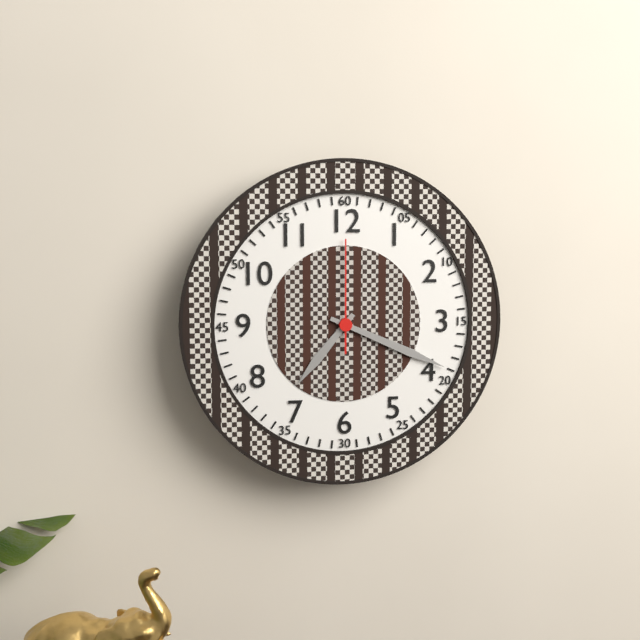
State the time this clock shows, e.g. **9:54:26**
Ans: **7:19:00**
